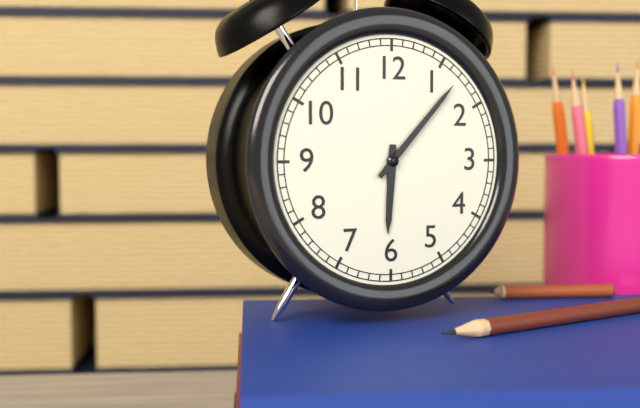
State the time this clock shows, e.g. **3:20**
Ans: **6:07**
